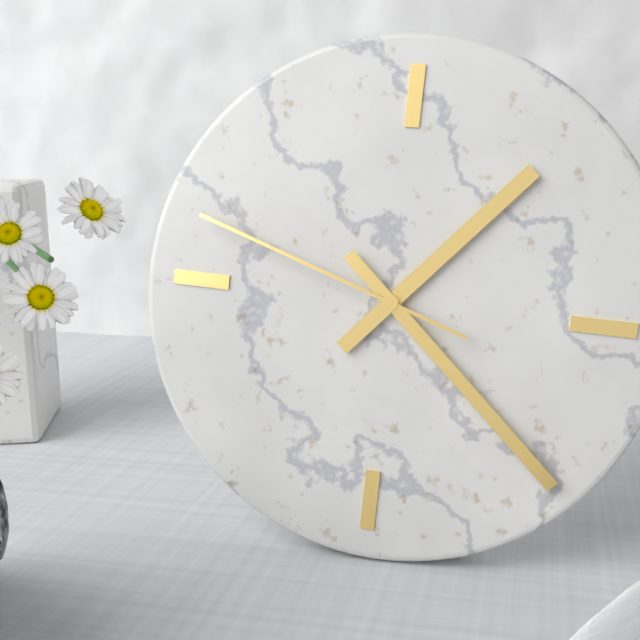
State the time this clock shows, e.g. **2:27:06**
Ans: **1:22:48**
